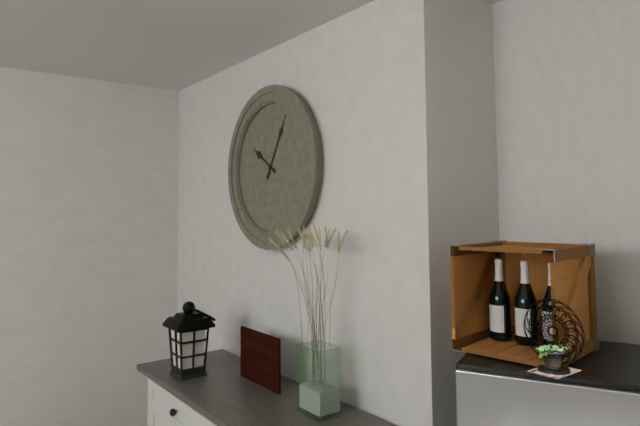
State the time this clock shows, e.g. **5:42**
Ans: **10:05**
